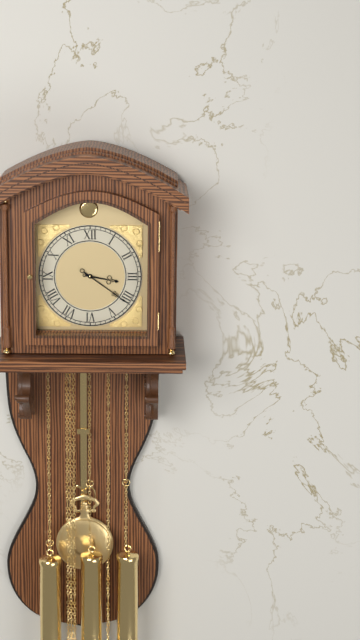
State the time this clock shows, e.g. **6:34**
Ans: **3:21**
